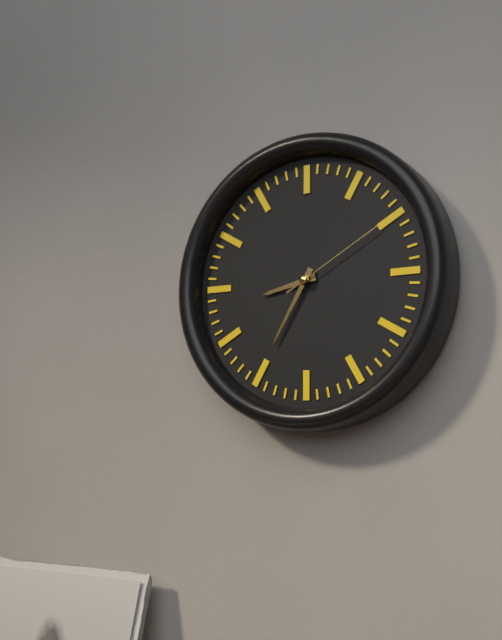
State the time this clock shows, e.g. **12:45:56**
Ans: **8:35:10**
